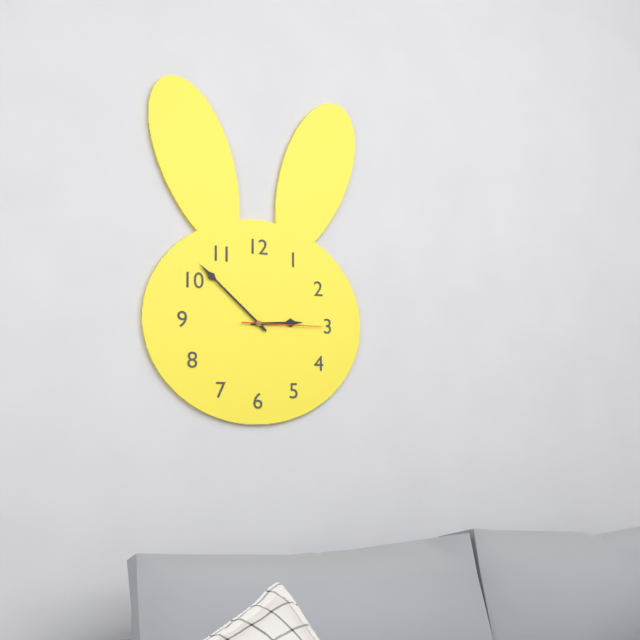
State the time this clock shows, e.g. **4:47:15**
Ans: **2:52:15**
